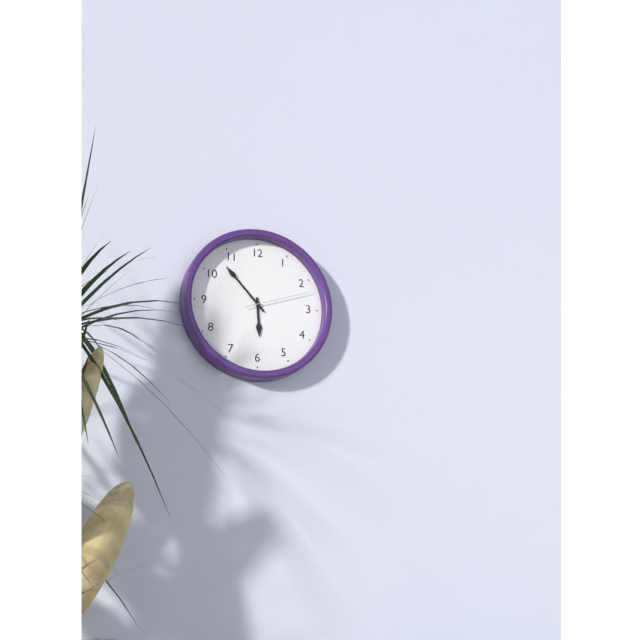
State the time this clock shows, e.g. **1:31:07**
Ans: **5:53:12**
